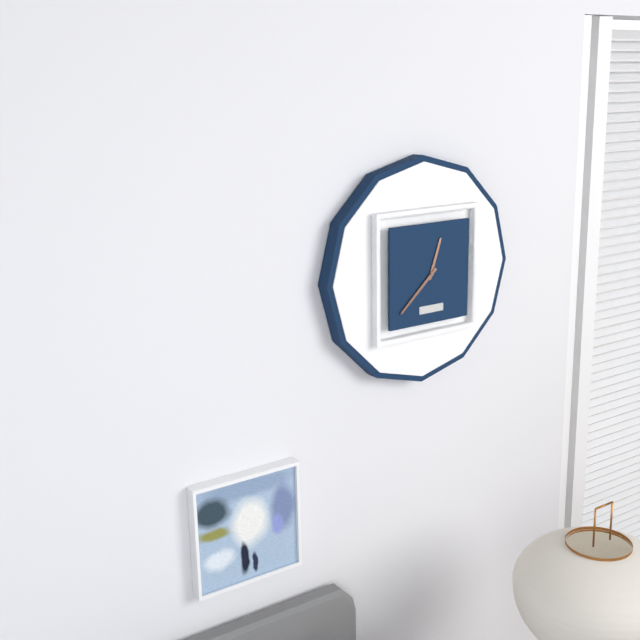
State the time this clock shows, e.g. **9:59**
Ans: **12:38**
